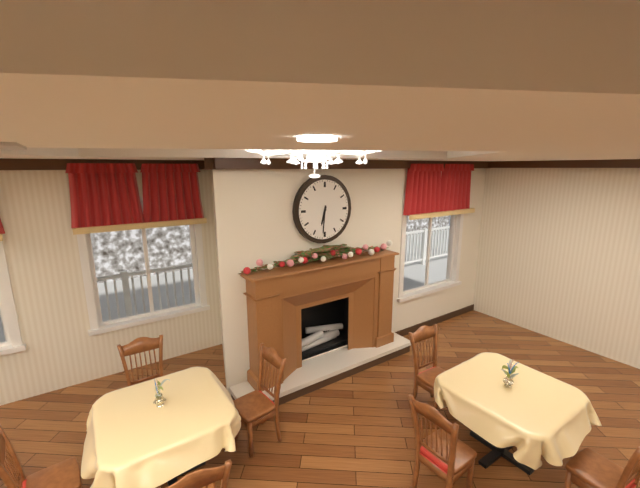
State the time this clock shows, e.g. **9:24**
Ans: **6:31**
